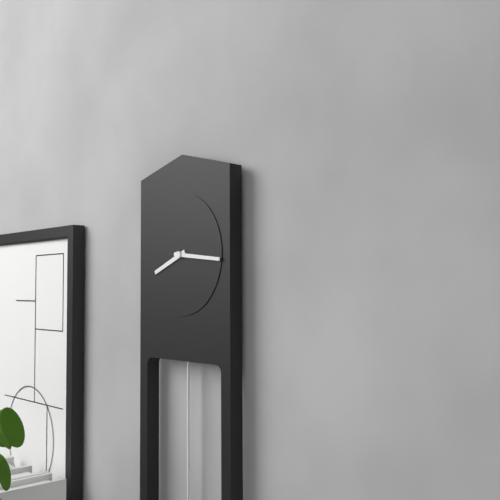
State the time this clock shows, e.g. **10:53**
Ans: **8:16**
